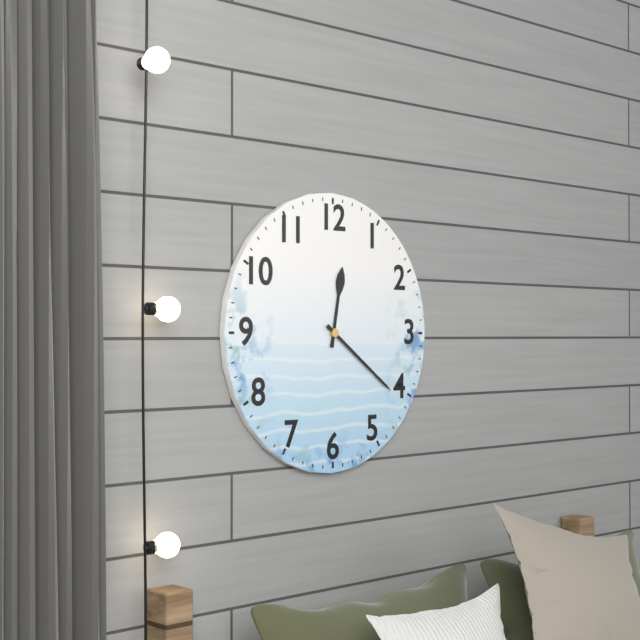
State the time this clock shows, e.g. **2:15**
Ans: **12:21**
